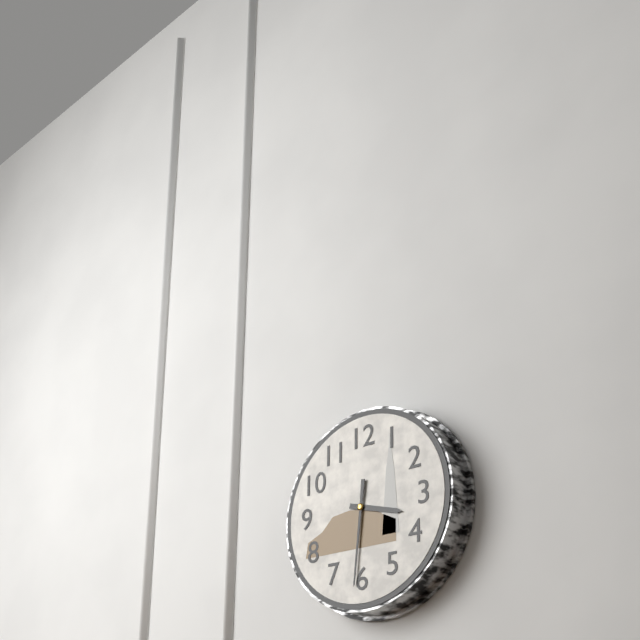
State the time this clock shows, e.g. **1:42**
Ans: **3:31**
